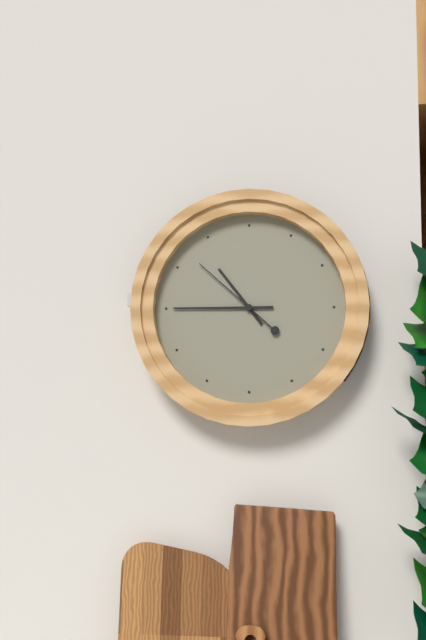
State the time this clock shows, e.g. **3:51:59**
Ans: **10:45:52**
